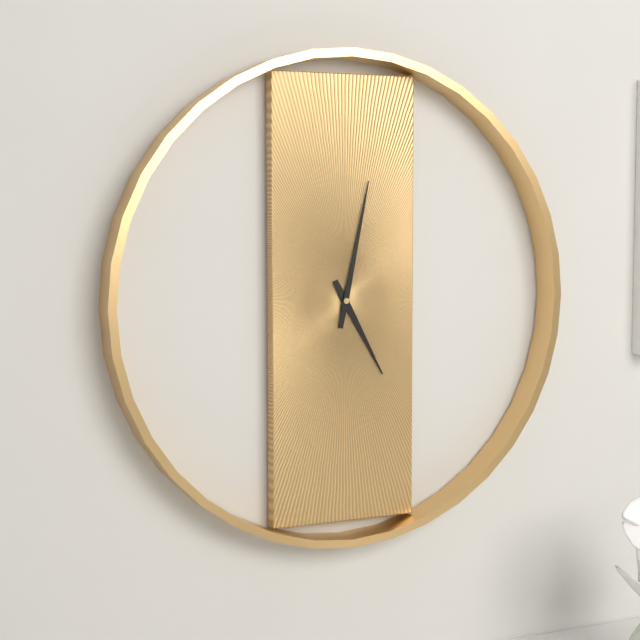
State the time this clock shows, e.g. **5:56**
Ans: **5:02**
